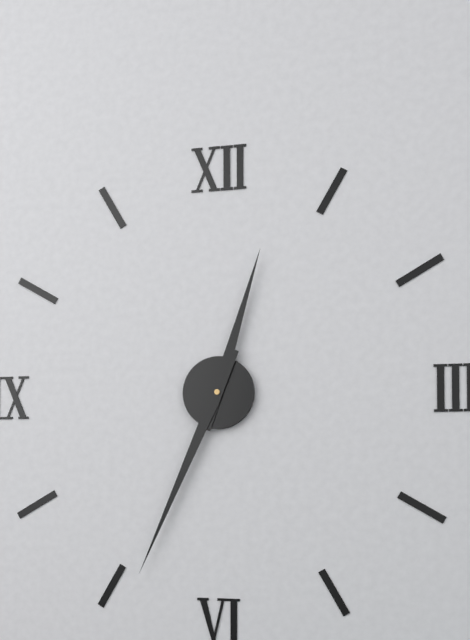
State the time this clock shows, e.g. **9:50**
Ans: **12:34**
